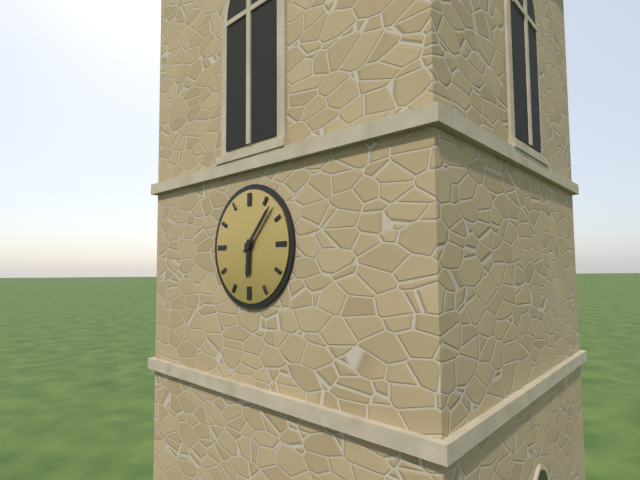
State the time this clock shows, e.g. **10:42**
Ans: **6:07**
